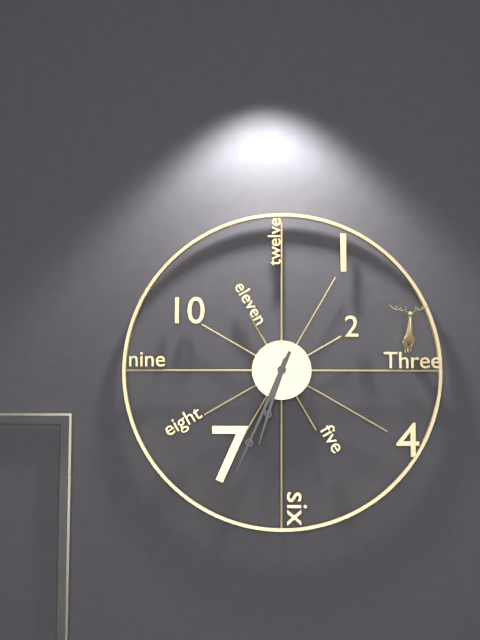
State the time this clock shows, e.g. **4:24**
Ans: **6:34**
